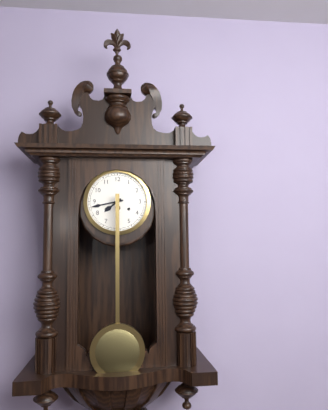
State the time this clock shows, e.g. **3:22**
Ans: **7:43**
